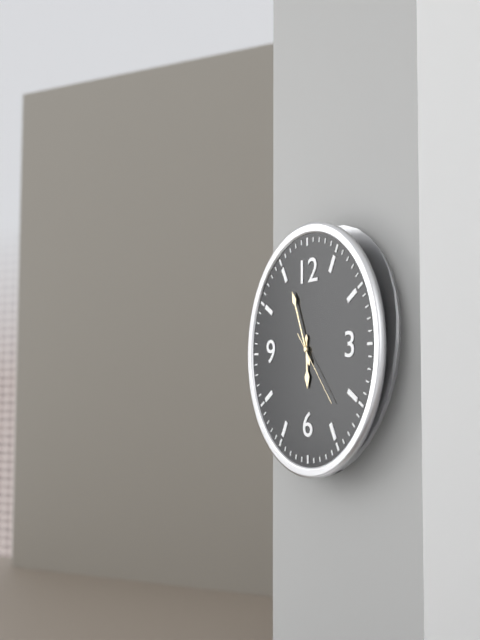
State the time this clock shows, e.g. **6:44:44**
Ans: **5:56:23**
